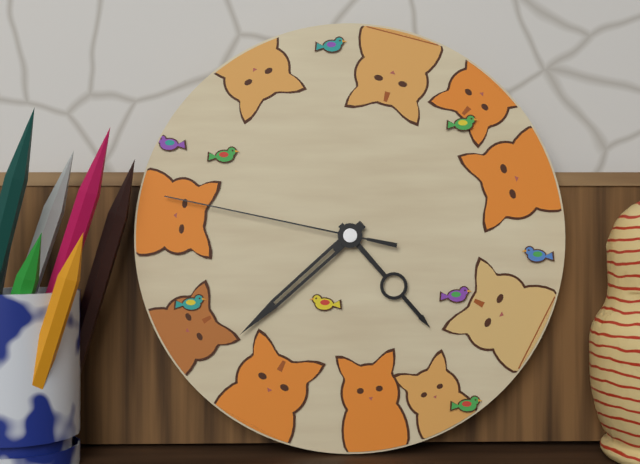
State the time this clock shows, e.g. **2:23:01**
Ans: **4:38:47**
